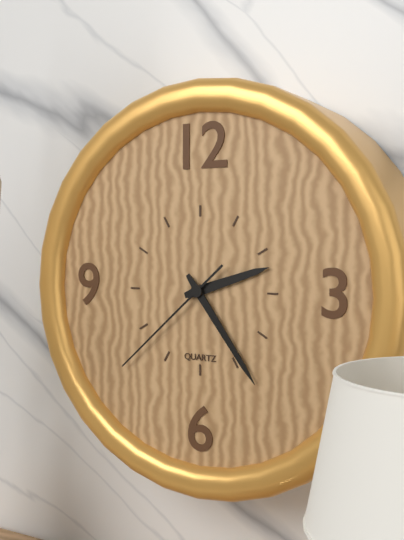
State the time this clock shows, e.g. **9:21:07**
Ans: **2:24:38**
